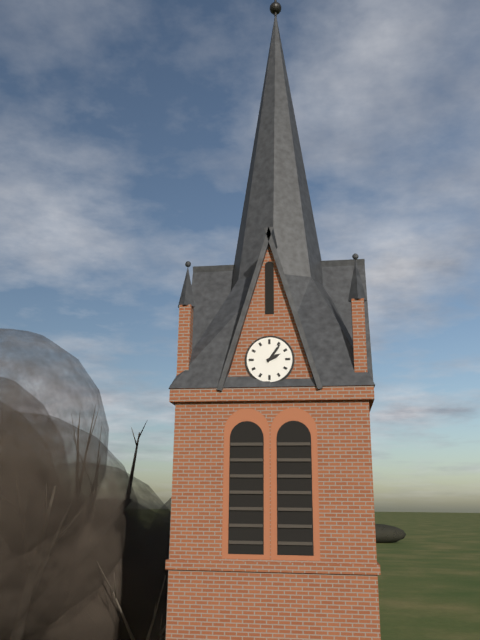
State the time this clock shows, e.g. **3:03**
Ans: **2:06**
